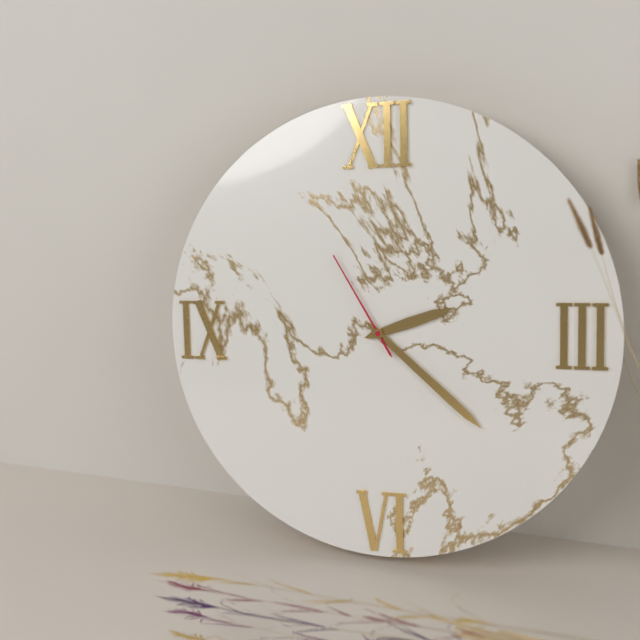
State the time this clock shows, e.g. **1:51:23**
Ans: **2:22:55**
